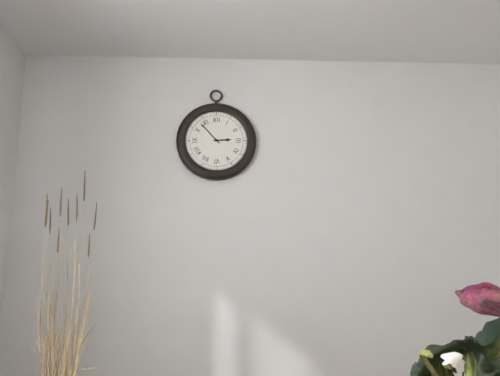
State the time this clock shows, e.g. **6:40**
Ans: **2:53**
